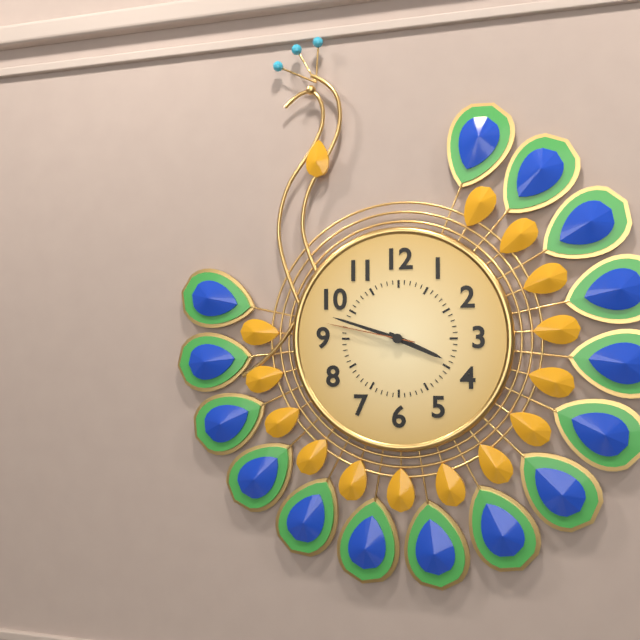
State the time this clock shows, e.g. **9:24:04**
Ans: **3:48:47**
